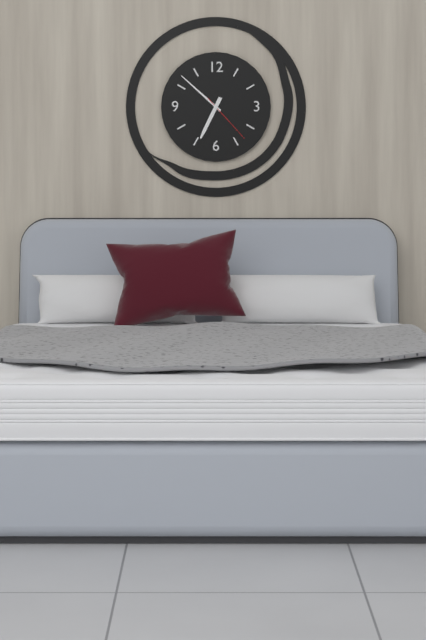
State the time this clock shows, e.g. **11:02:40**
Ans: **6:52:23**
